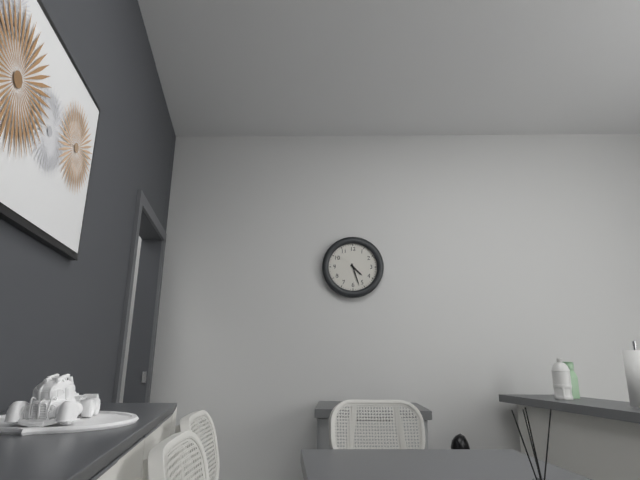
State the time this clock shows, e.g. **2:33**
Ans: **4:27**
